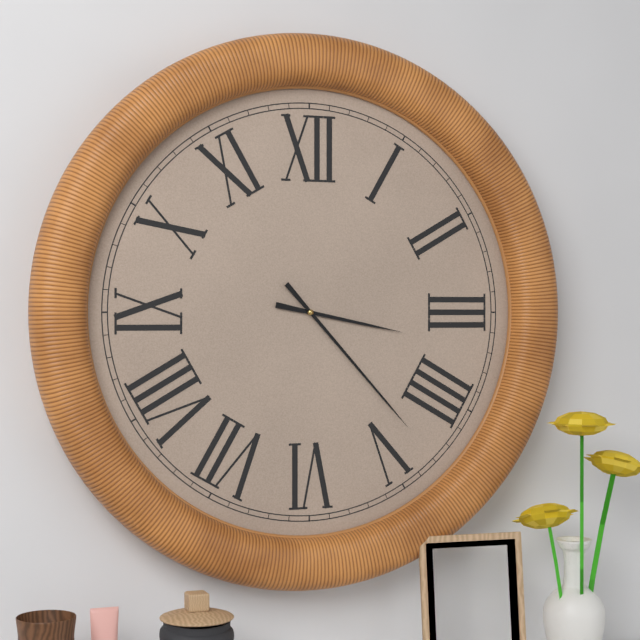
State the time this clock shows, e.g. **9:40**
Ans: **3:23**
